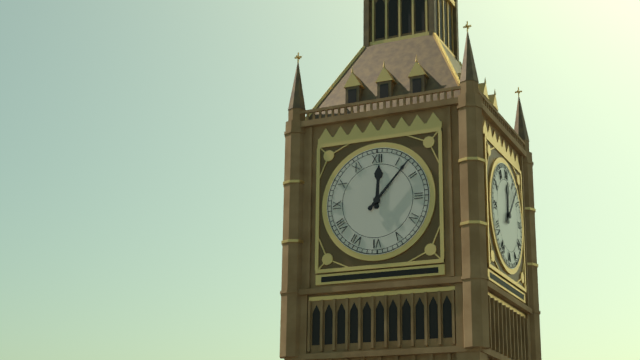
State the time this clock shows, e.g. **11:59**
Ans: **12:07**
